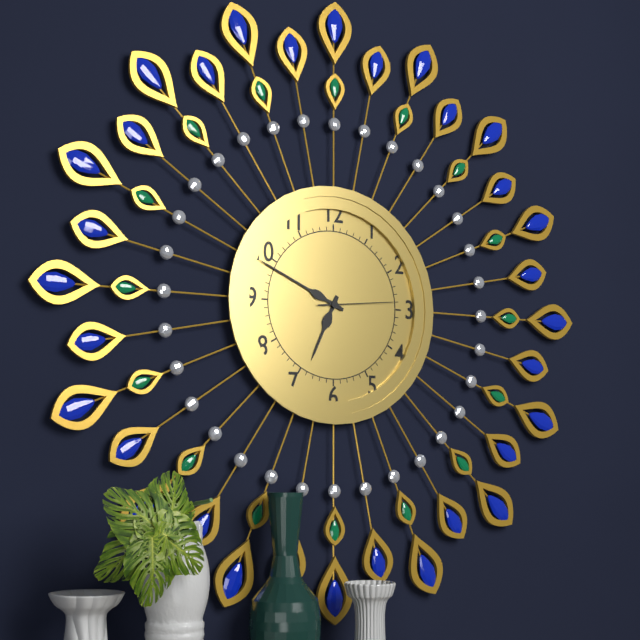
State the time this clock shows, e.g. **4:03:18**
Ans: **6:49:14**
